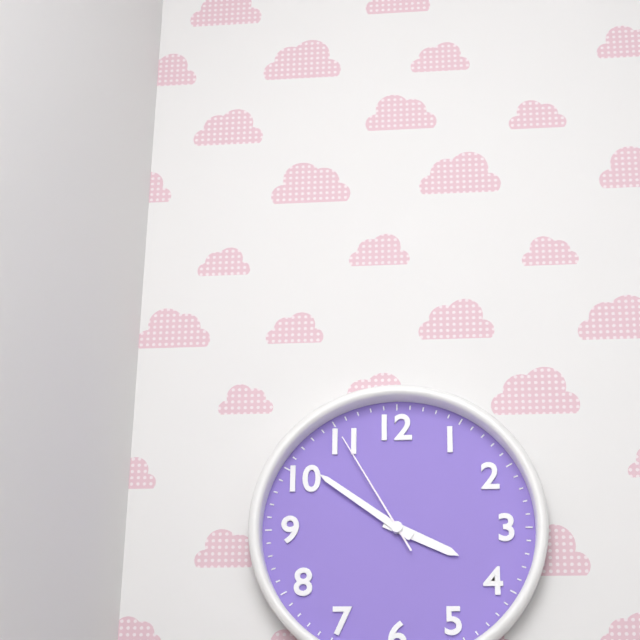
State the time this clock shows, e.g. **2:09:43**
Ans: **3:51:55**
